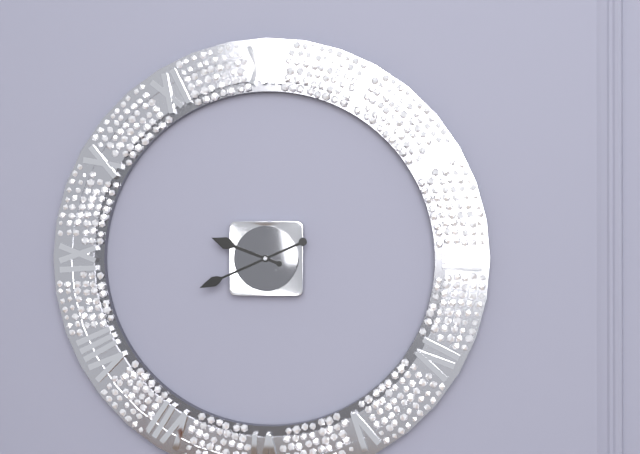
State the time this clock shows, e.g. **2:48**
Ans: **9:41**
